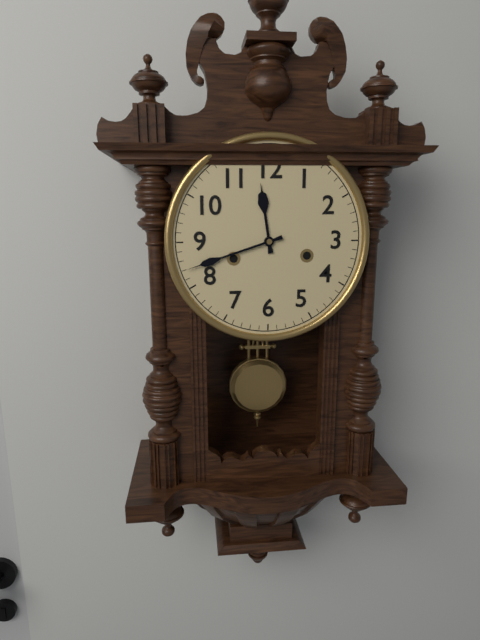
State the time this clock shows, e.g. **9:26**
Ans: **11:42**
